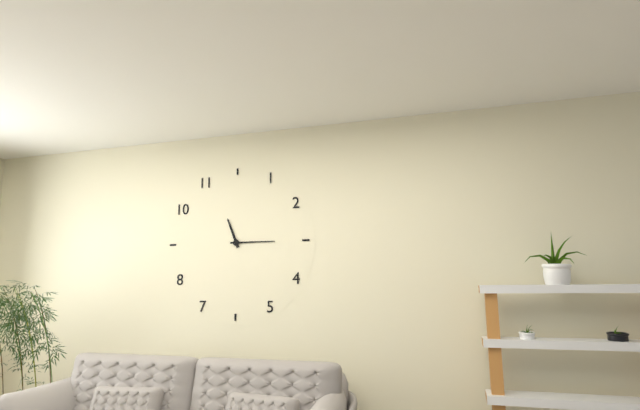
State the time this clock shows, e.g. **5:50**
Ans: **11:15**
